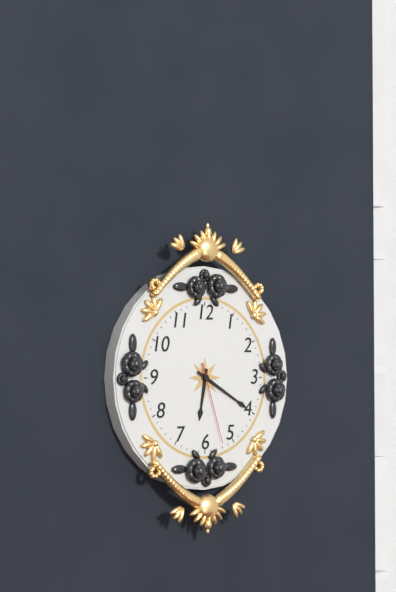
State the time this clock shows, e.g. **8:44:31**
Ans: **6:20:27**
